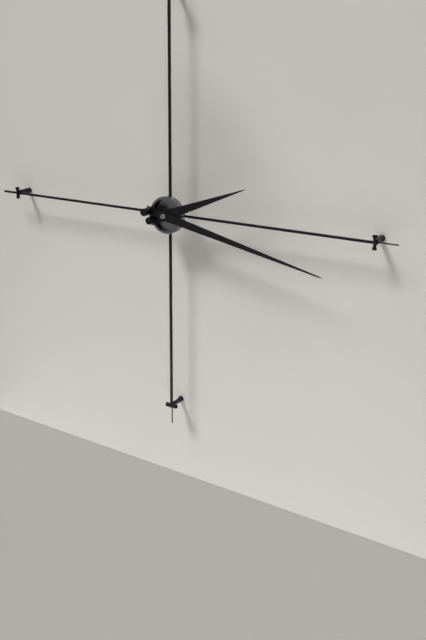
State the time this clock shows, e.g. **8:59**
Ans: **2:17**
